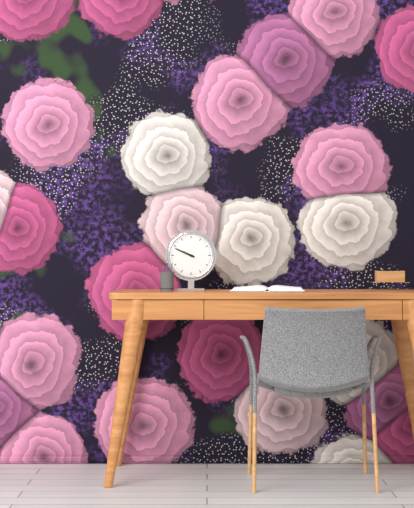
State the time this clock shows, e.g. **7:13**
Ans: **9:49**
